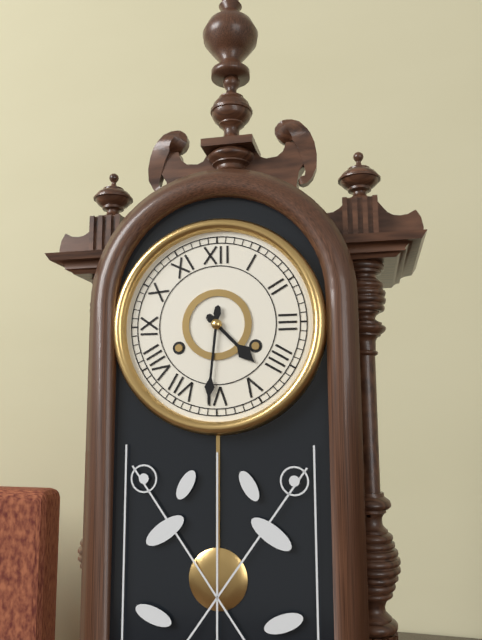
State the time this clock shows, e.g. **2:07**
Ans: **4:31**
